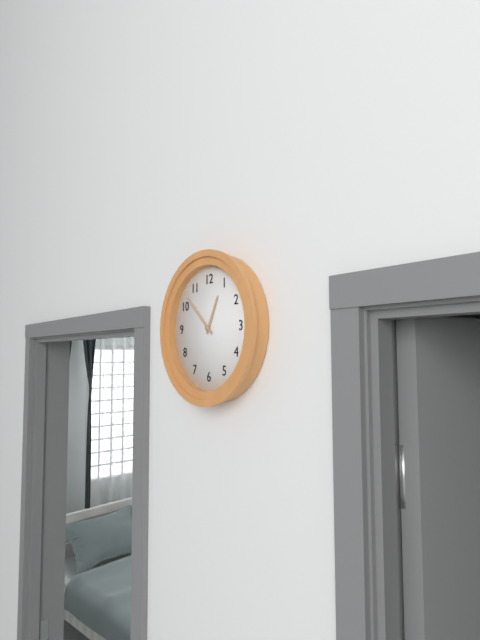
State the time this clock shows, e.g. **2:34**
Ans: **12:52**
